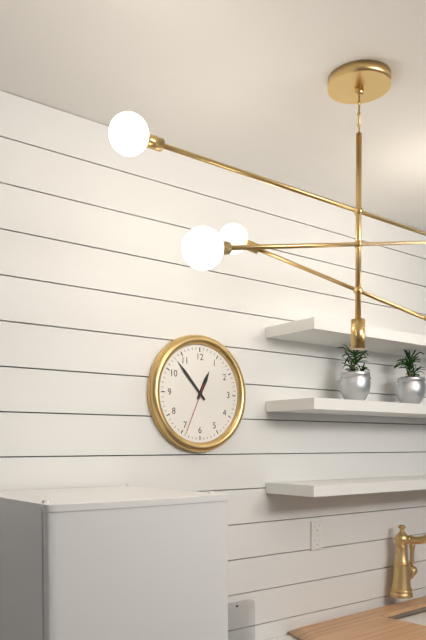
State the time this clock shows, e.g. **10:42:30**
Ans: **12:53:34**
